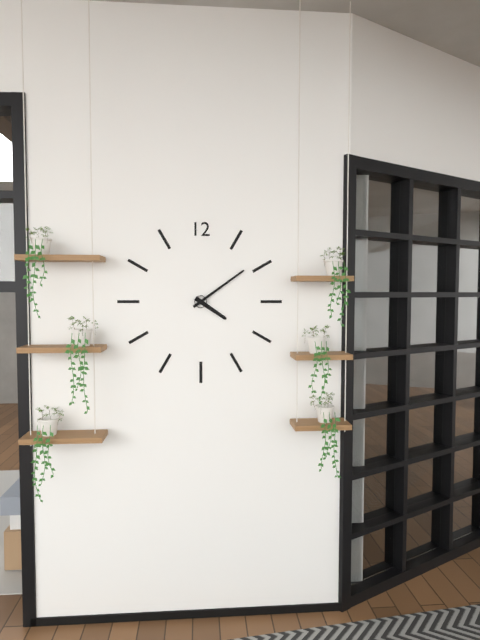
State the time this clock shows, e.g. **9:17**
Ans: **4:09**
